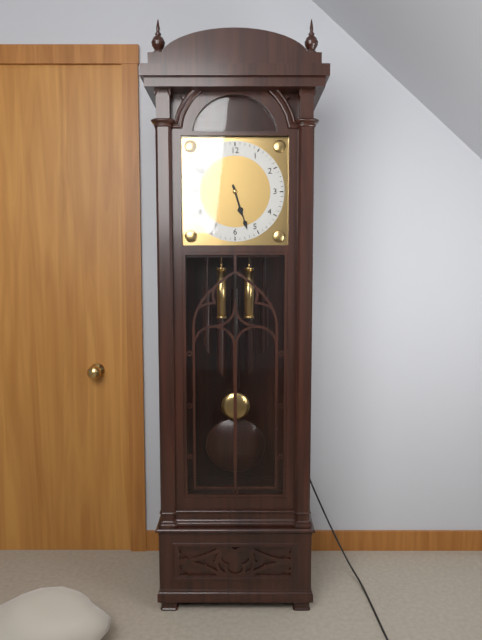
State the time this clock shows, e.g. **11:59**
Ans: **5:27**
